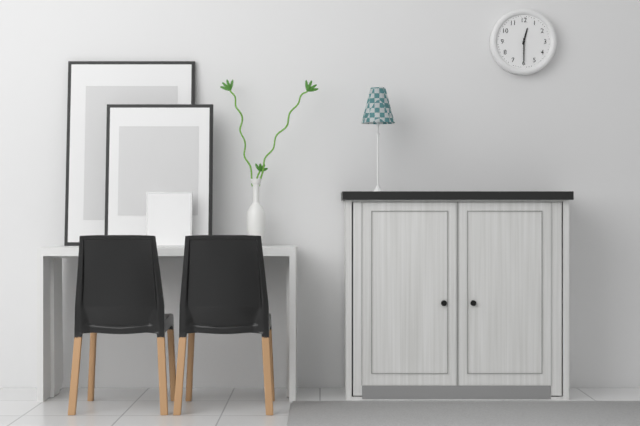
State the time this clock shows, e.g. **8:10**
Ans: **12:30**
